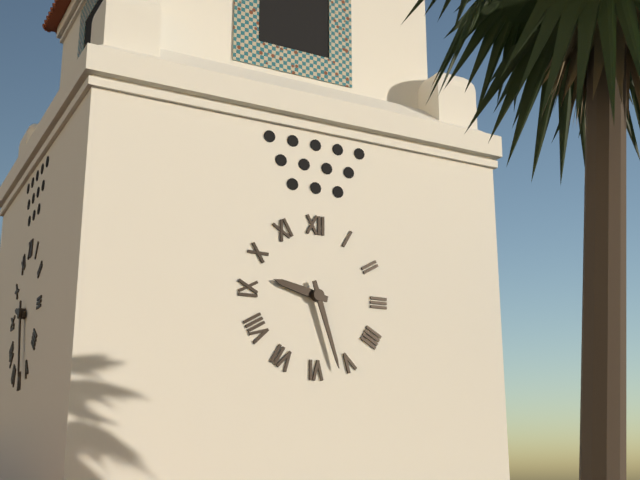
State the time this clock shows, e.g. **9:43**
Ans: **9:27**
